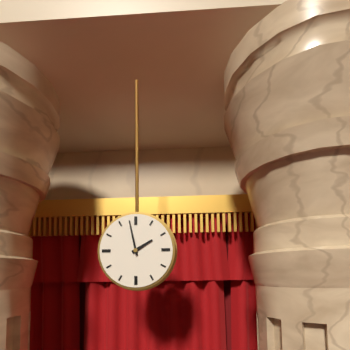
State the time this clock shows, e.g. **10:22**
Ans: **1:58**
